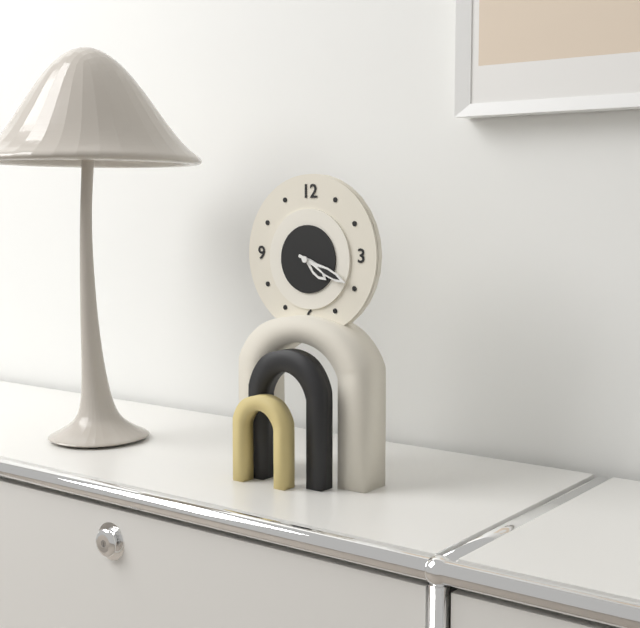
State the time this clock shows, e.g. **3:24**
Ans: **4:19**
